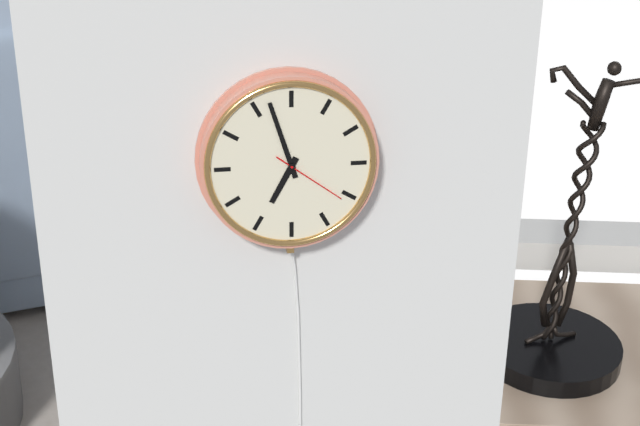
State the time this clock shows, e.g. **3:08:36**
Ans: **6:57:21**
